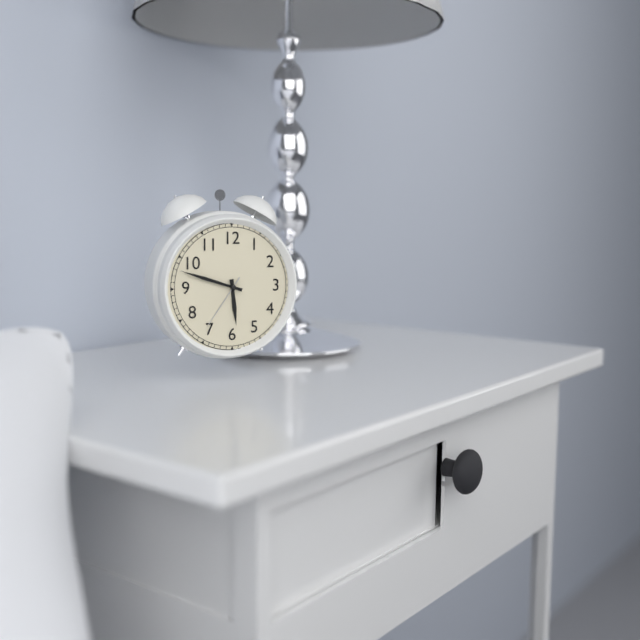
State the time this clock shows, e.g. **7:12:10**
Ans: **5:48:36**
